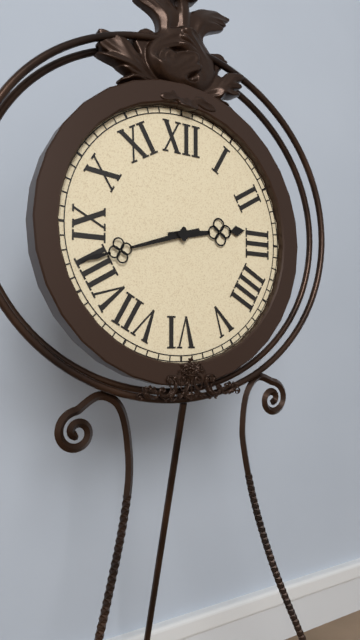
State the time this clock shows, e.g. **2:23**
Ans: **2:42**
